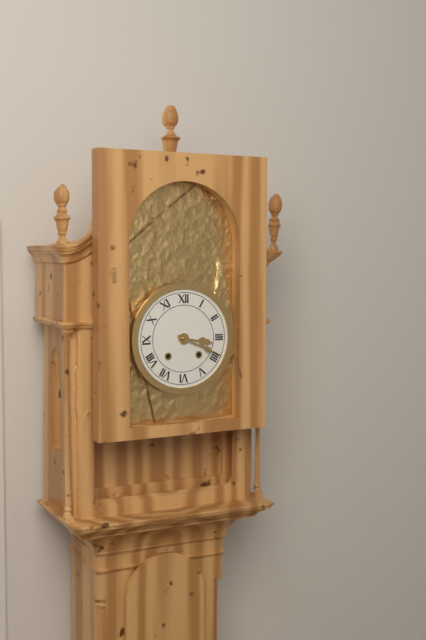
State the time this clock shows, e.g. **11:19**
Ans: **3:19**
